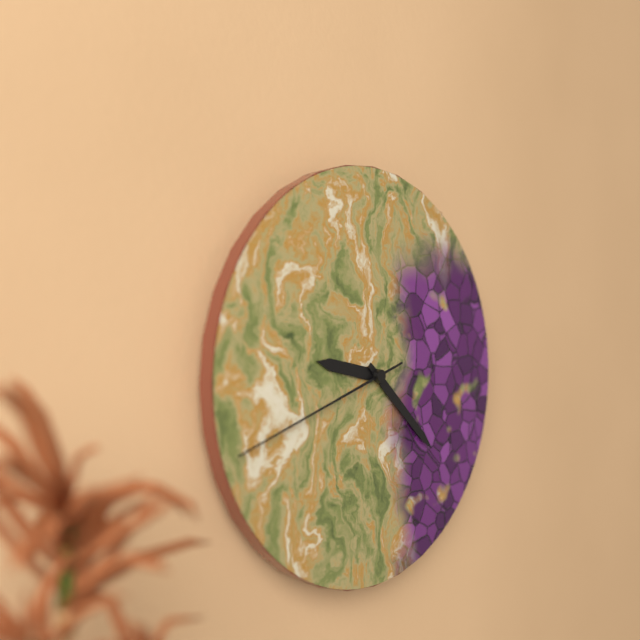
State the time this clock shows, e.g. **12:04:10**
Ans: **9:22:42**
